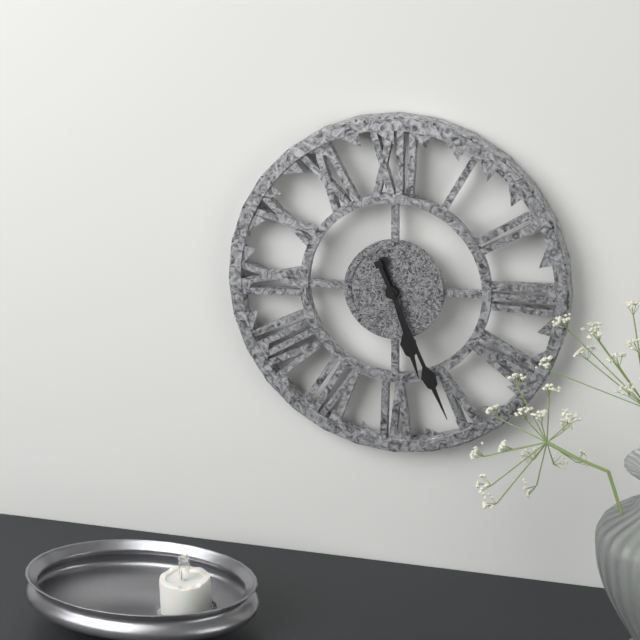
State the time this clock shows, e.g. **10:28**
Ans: **5:26**
